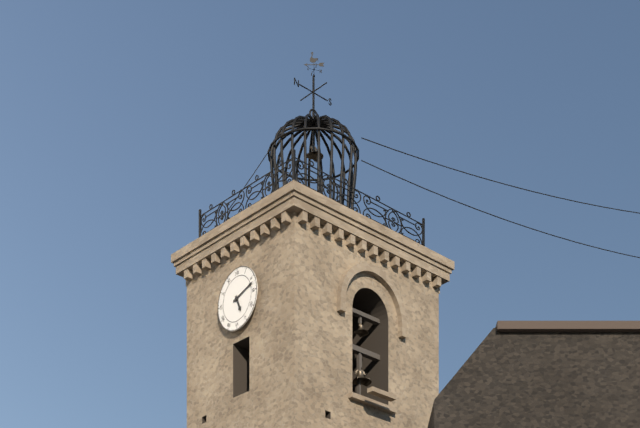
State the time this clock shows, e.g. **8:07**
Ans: **5:12**
